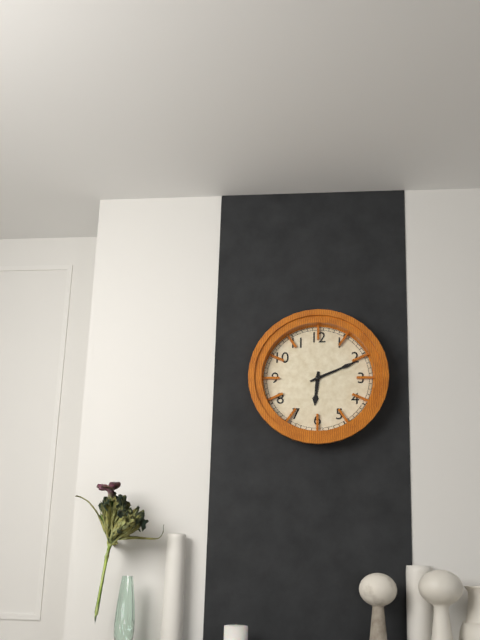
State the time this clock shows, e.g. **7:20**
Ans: **6:11**
